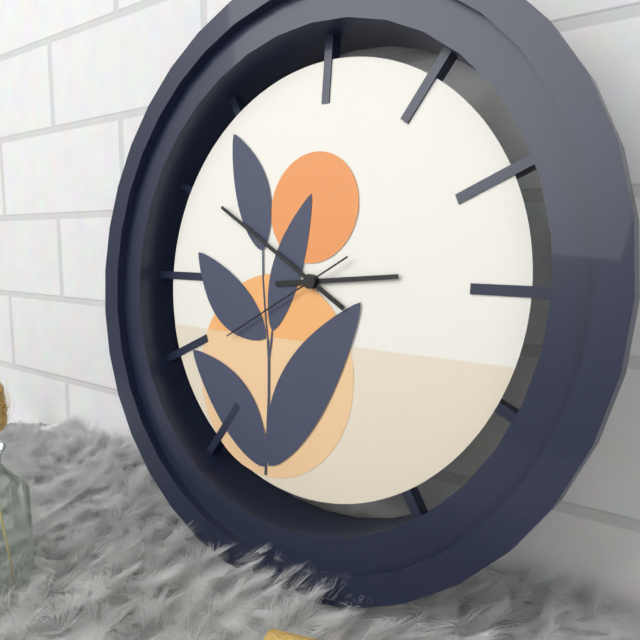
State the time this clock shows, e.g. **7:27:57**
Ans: **2:50:40**
